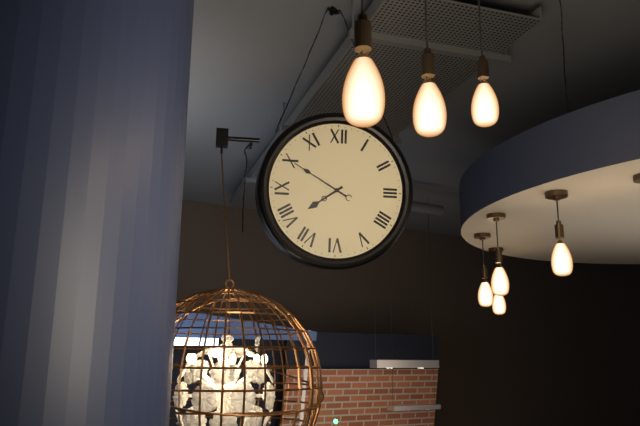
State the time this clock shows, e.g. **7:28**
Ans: **7:50**
